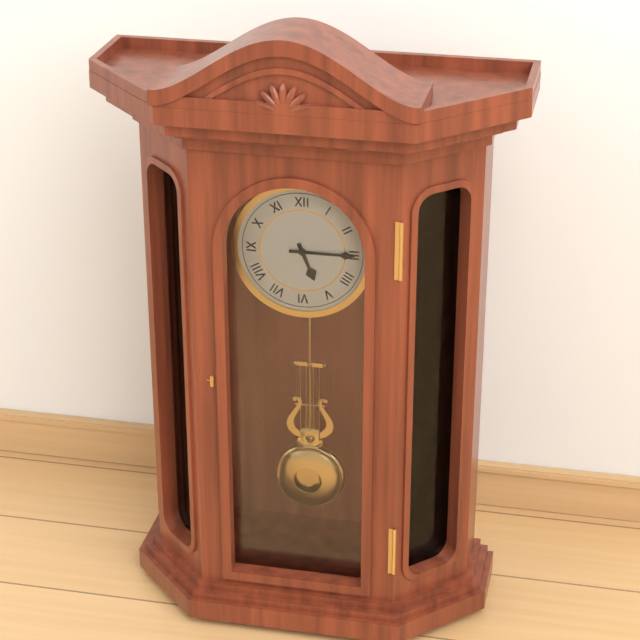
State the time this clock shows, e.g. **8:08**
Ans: **5:15**
